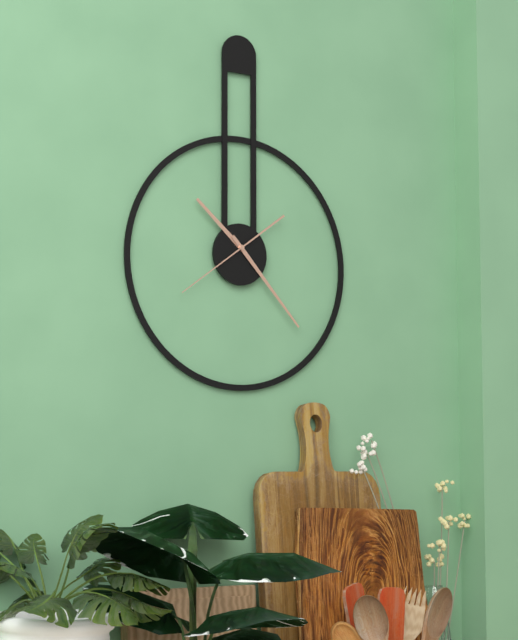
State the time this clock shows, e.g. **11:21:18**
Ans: **10:23:39**
